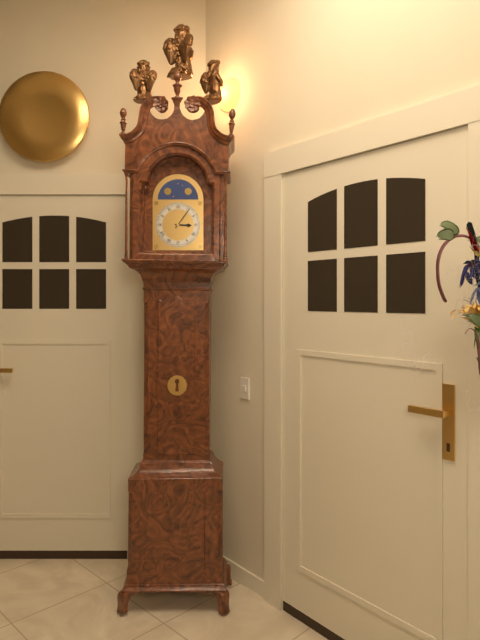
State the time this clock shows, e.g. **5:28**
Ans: **3:06**
